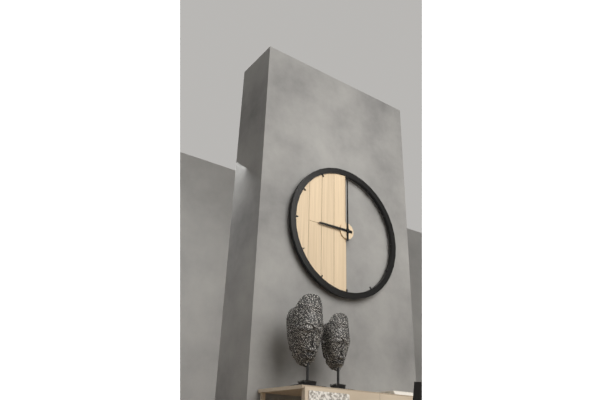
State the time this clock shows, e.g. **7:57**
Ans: **9:00**
